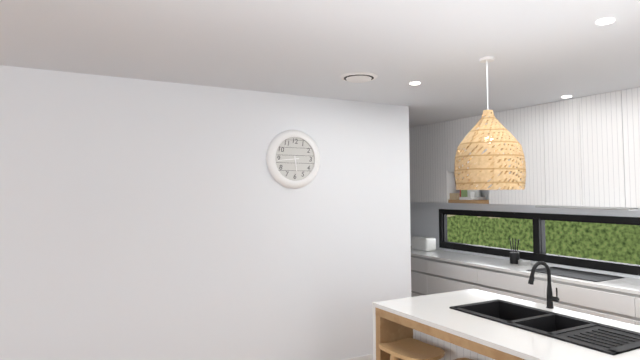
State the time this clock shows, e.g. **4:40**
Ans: **5:44**
